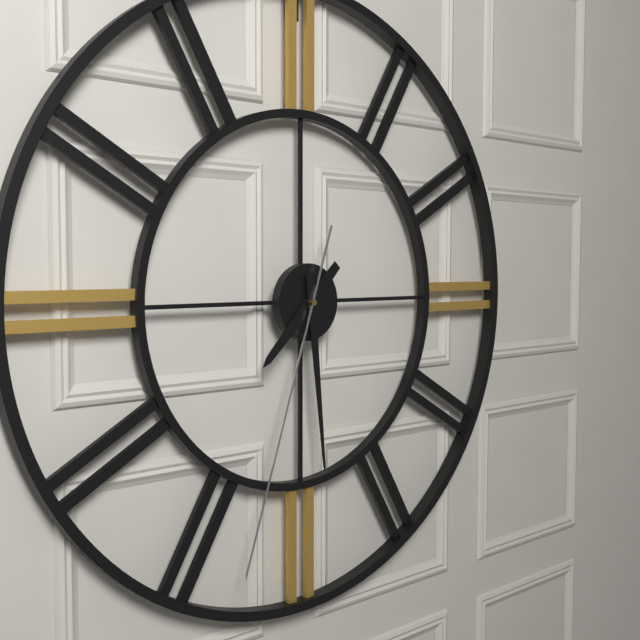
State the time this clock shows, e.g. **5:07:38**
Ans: **7:29:33**
